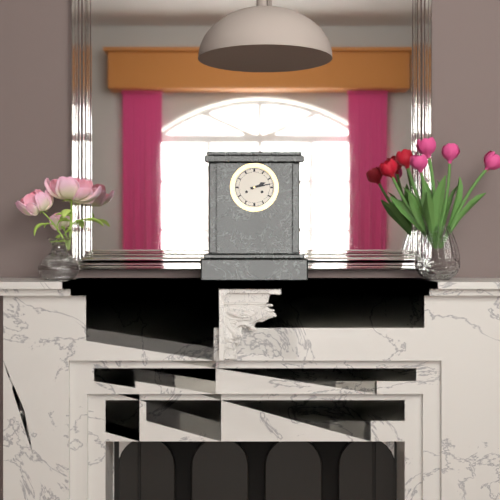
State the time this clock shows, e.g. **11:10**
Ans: **2:13**
